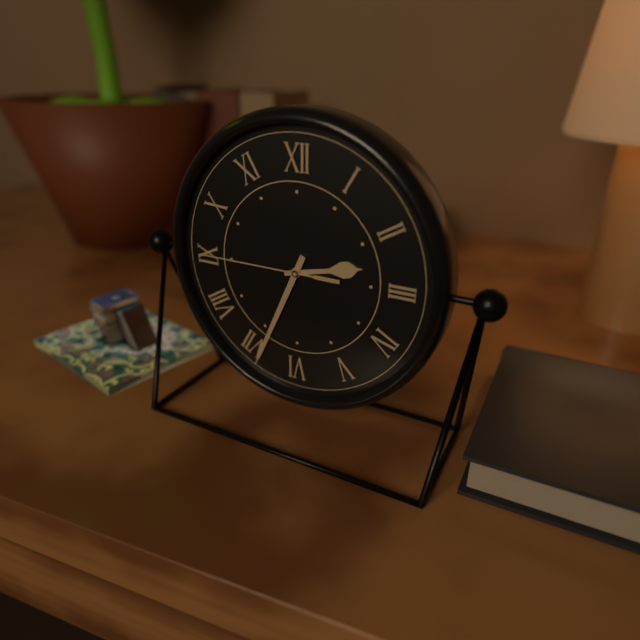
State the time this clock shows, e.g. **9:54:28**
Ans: **2:34:45**
